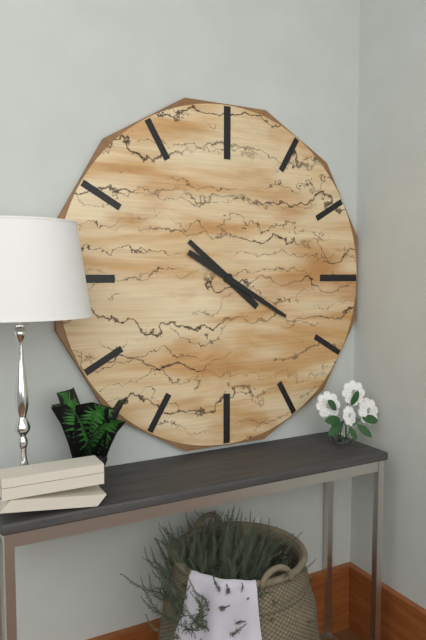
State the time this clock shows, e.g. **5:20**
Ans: **10:20**
